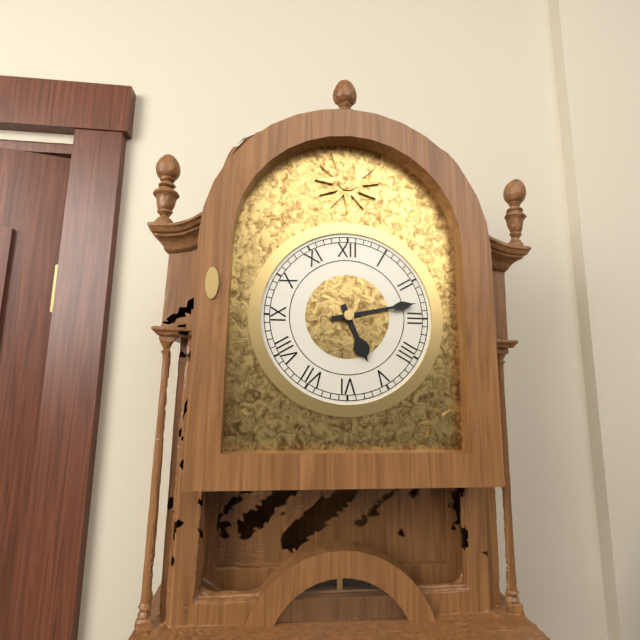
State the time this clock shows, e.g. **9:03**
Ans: **5:13**
